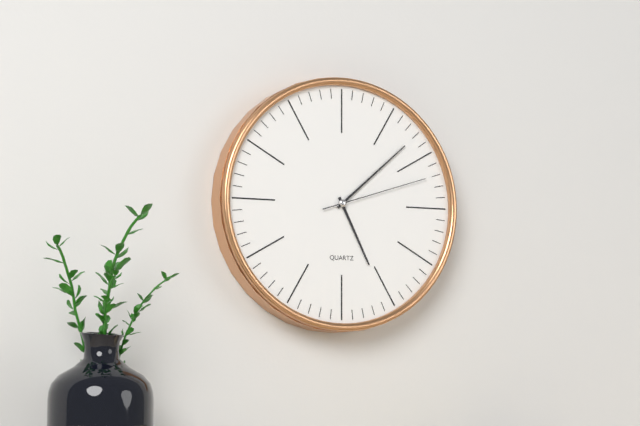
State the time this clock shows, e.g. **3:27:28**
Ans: **5:08:12**
